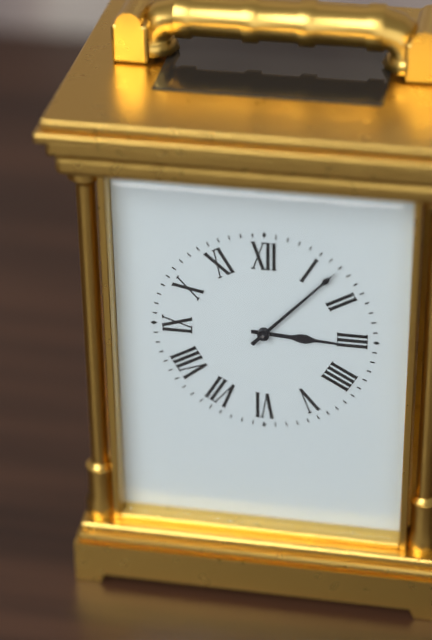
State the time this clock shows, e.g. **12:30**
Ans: **3:07**
